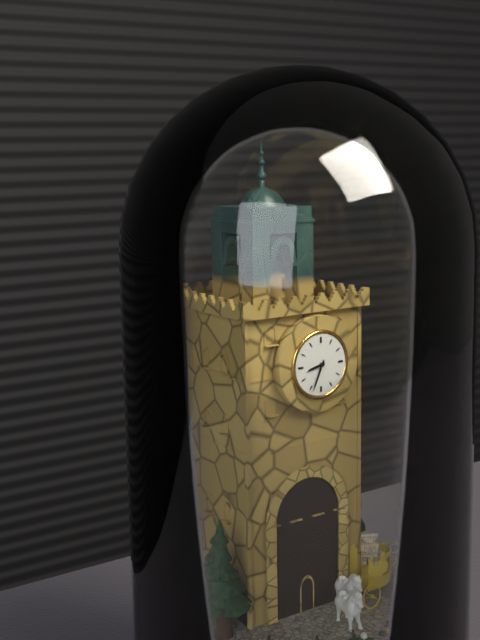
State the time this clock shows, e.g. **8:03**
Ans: **8:34**
